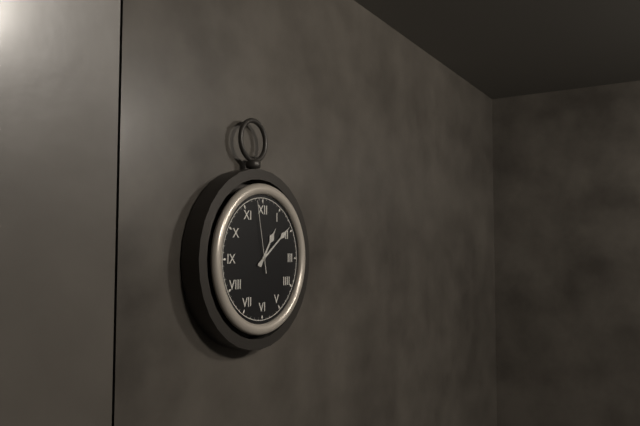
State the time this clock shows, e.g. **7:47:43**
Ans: **1:09:58**
